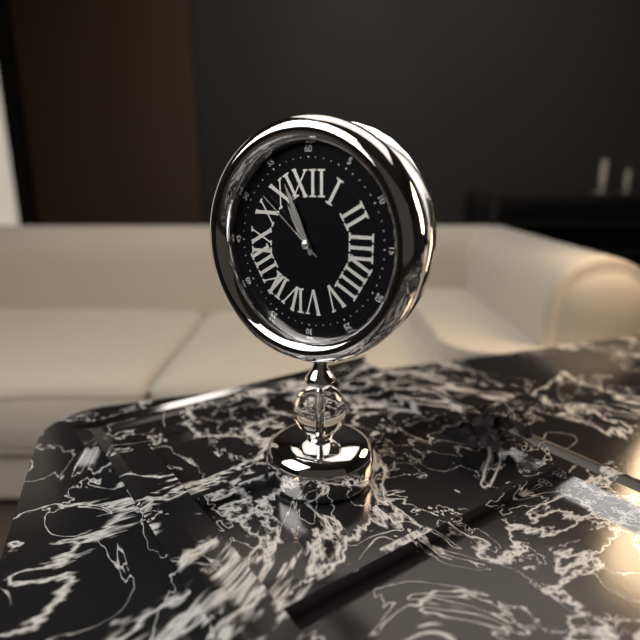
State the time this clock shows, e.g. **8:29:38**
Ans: **10:56:52**
